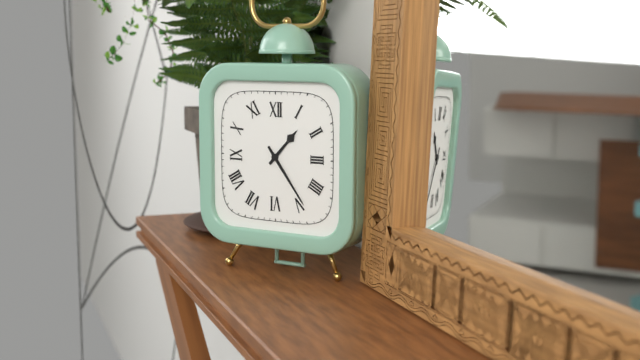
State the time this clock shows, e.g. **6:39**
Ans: **1:24**
